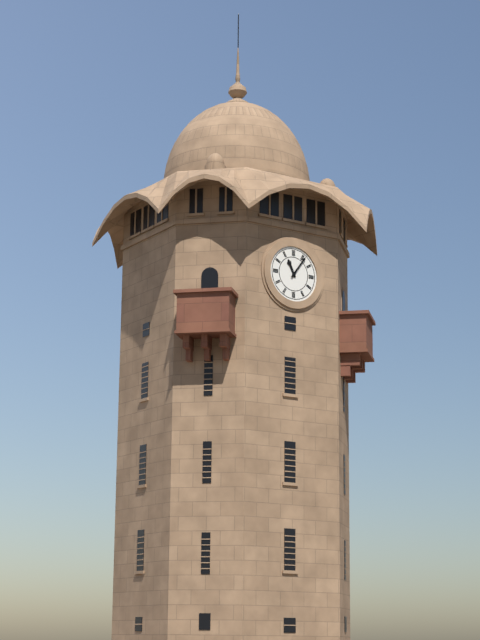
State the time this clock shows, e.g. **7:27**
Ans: **11:06**
